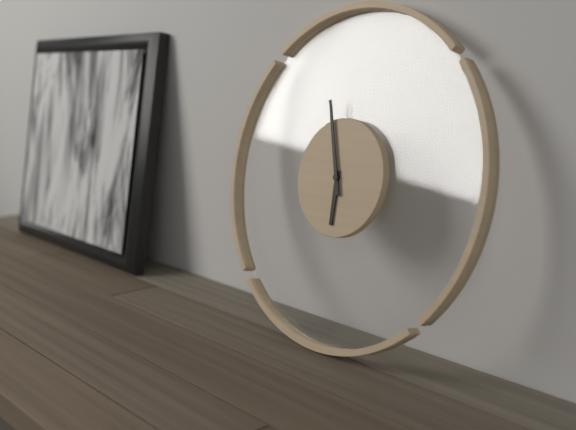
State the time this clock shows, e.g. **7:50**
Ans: **5:57**
